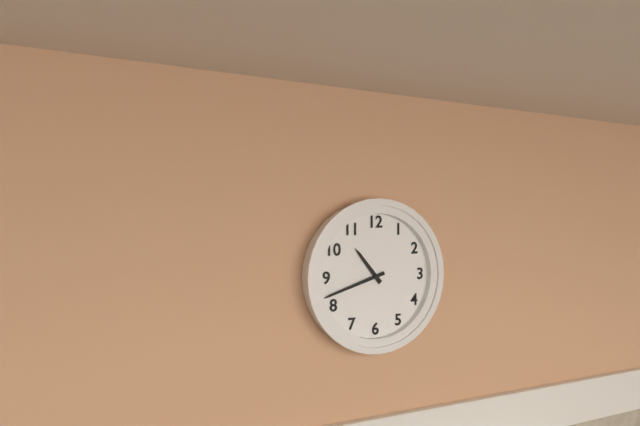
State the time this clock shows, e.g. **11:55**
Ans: **10:42**
